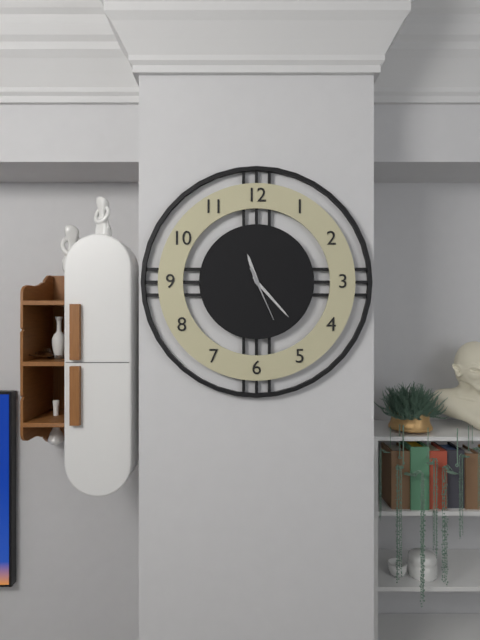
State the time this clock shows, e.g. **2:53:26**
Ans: **11:23:26**
